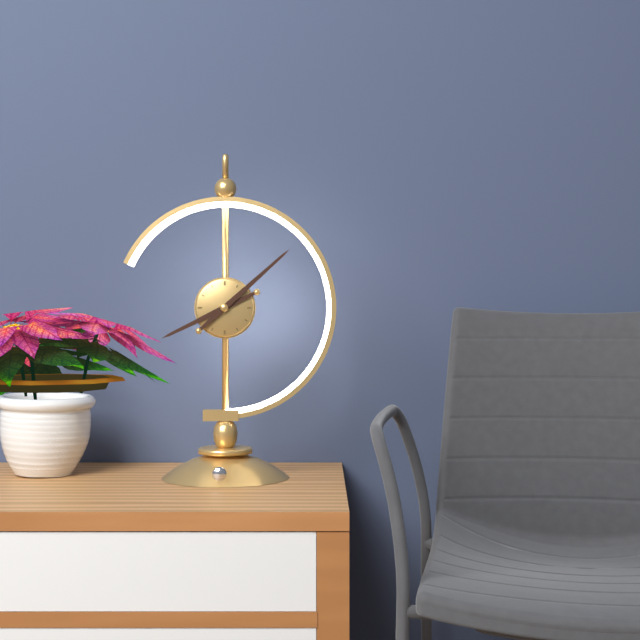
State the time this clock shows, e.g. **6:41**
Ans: **8:08**
